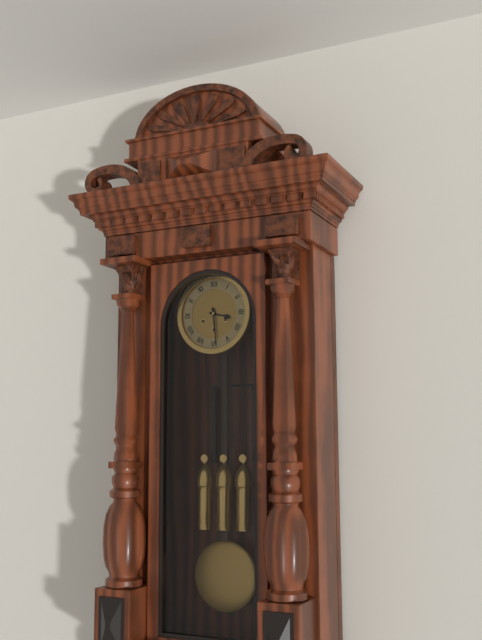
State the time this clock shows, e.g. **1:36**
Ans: **3:29**
